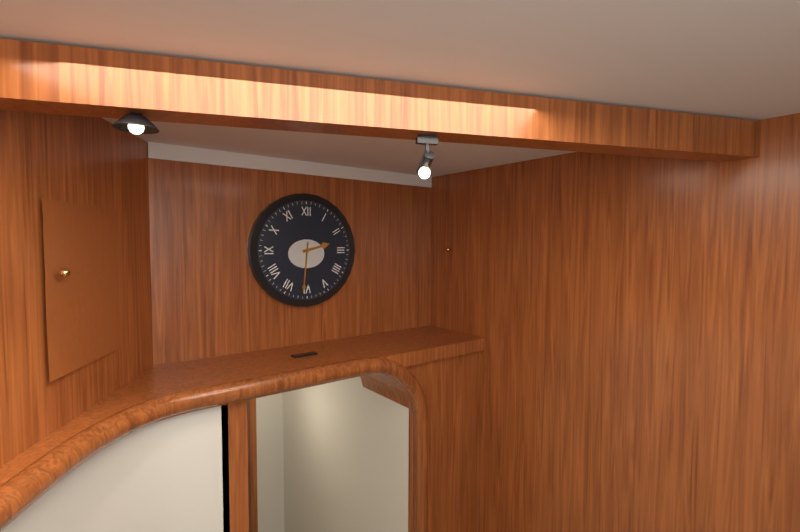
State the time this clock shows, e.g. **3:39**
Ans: **2:31**
